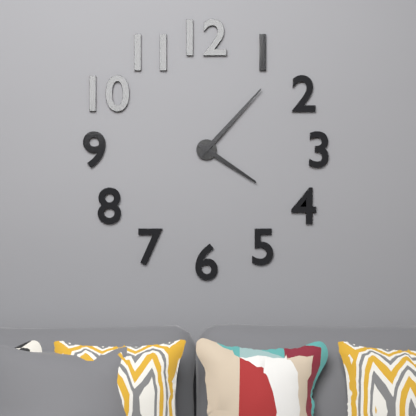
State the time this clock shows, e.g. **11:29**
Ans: **4:07**
